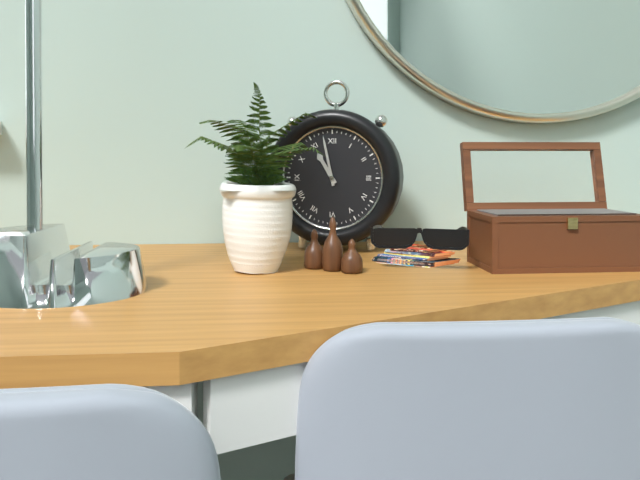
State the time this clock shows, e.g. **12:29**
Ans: **10:58**
